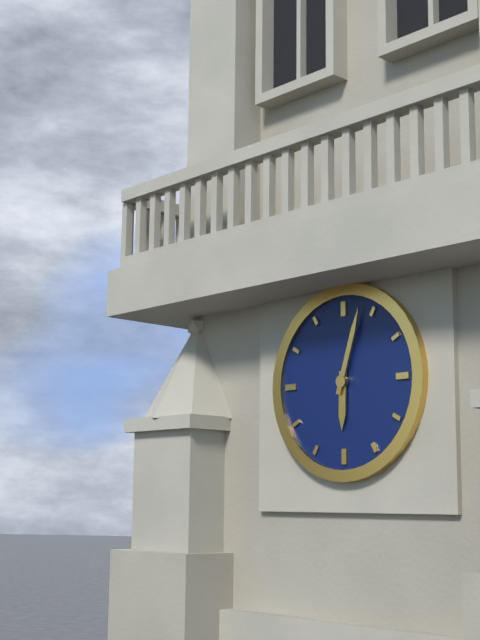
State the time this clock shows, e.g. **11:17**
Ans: **6:03**
